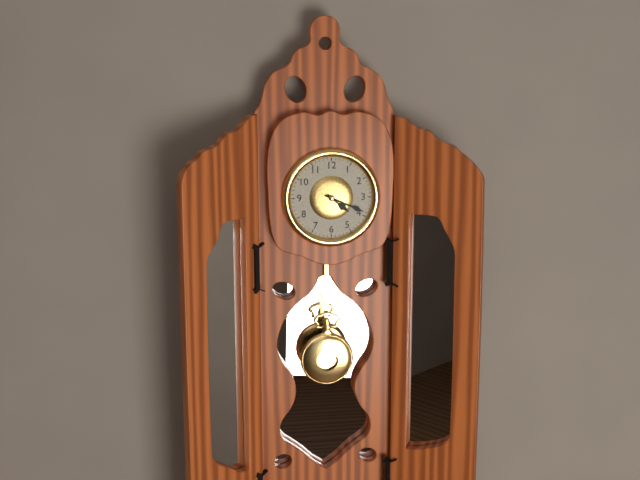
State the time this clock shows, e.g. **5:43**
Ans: **4:19**
